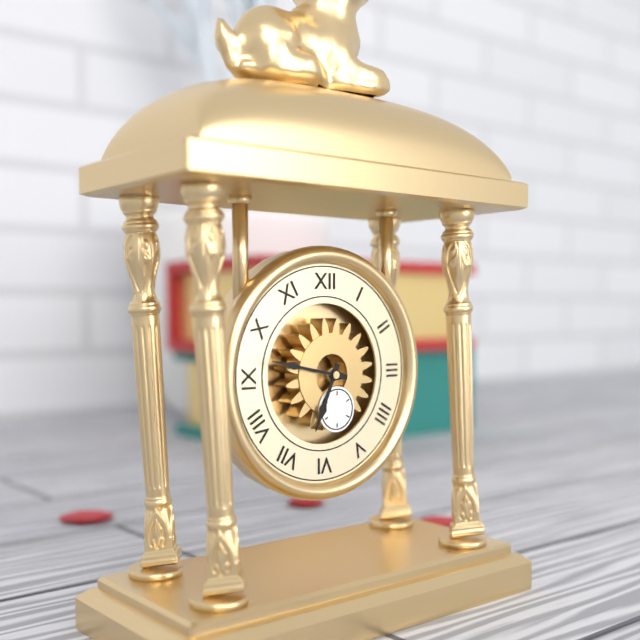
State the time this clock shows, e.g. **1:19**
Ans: **6:47**
